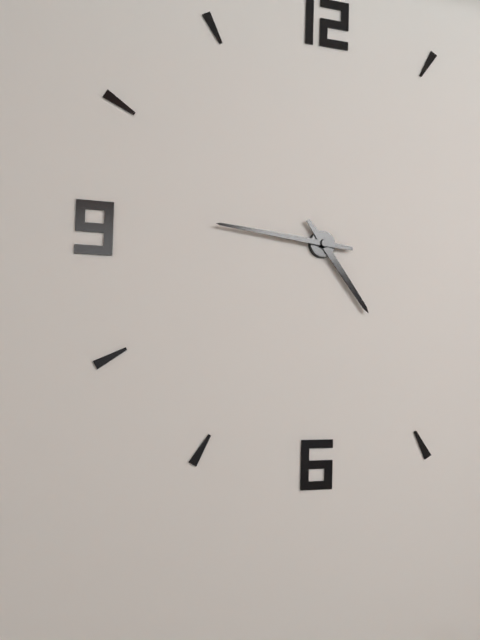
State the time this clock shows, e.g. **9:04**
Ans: **4:46**
